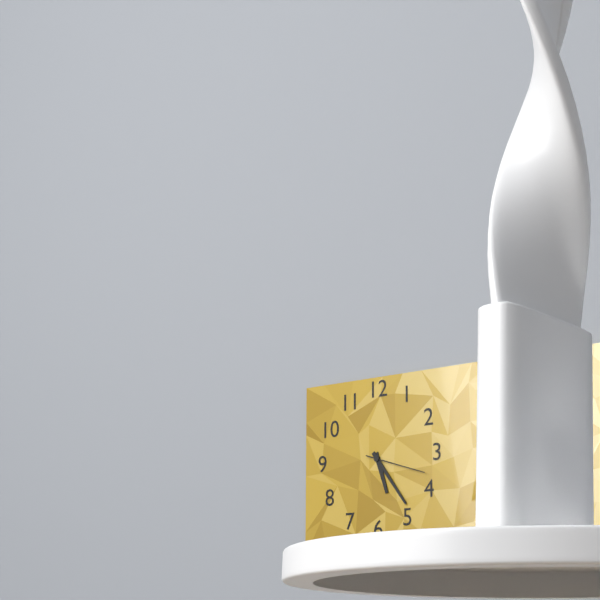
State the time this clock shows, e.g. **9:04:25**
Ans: **5:24:18**
